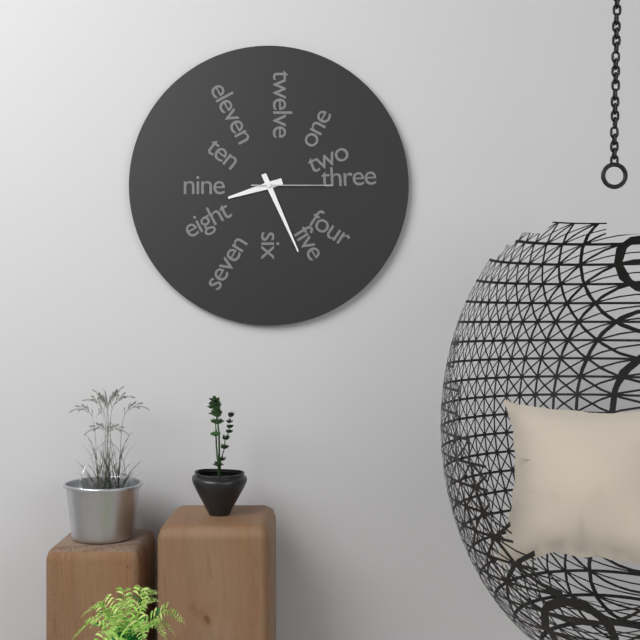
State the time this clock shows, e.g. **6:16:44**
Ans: **8:26:15**
